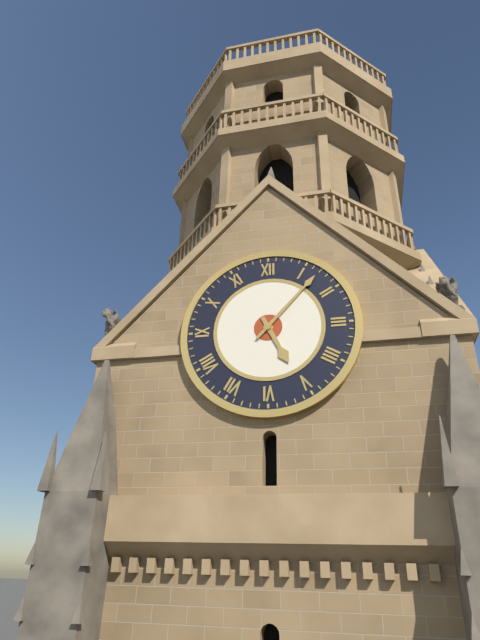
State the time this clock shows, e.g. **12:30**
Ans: **5:07**
